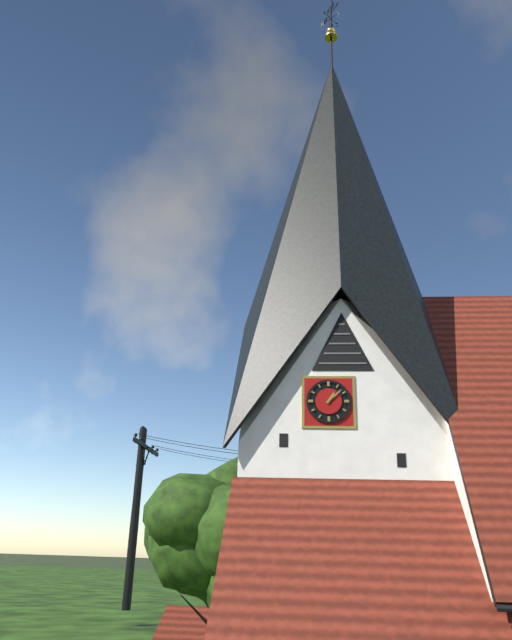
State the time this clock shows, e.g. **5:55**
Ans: **1:08**
